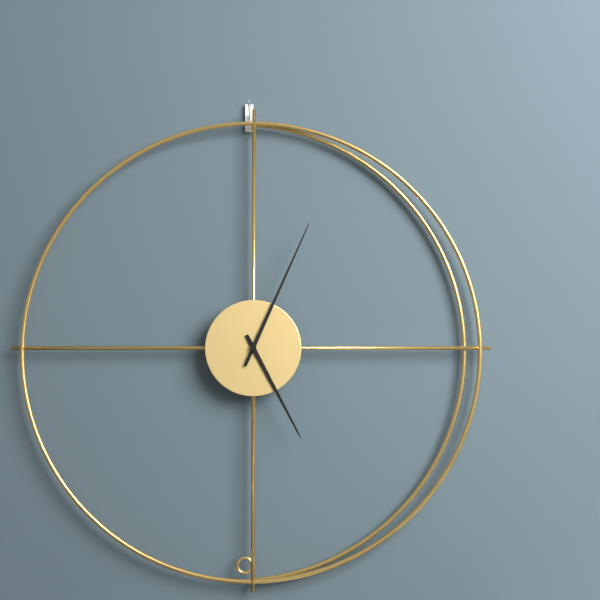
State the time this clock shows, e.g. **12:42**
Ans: **5:04**
